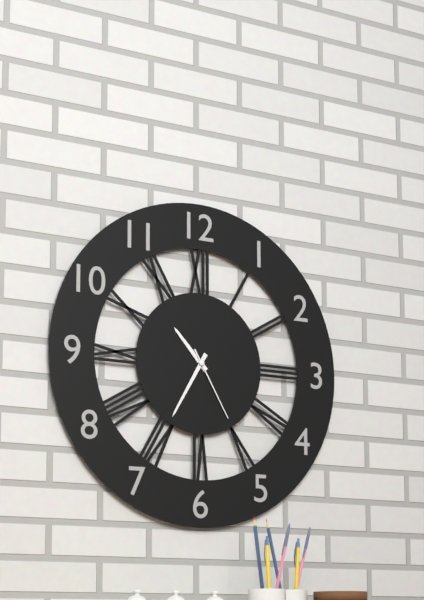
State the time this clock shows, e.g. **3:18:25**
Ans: **10:35:25**
